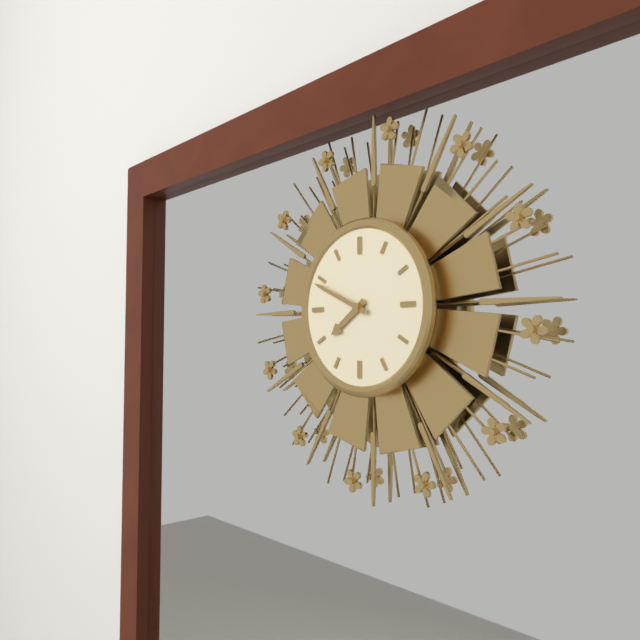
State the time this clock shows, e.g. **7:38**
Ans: **7:49**
